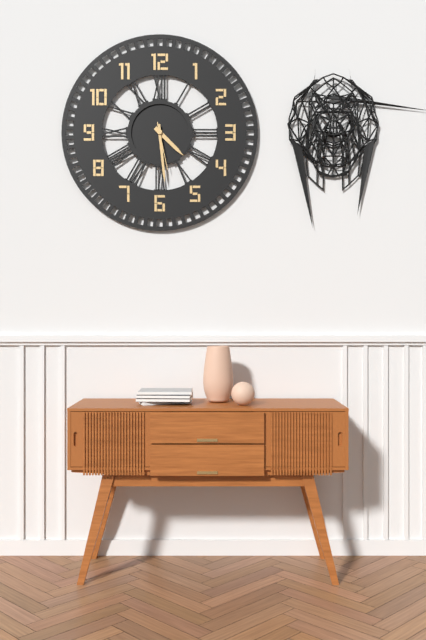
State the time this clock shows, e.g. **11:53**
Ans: **4:29**
